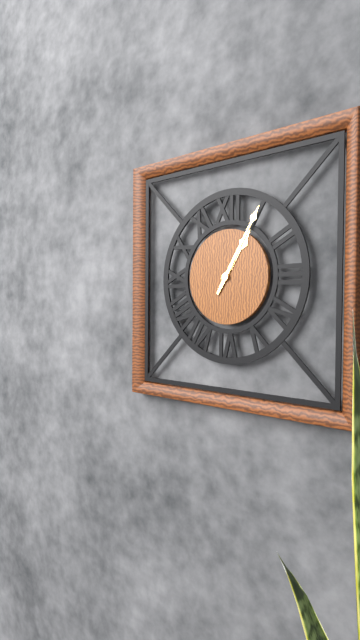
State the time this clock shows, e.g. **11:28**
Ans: **1:05**
